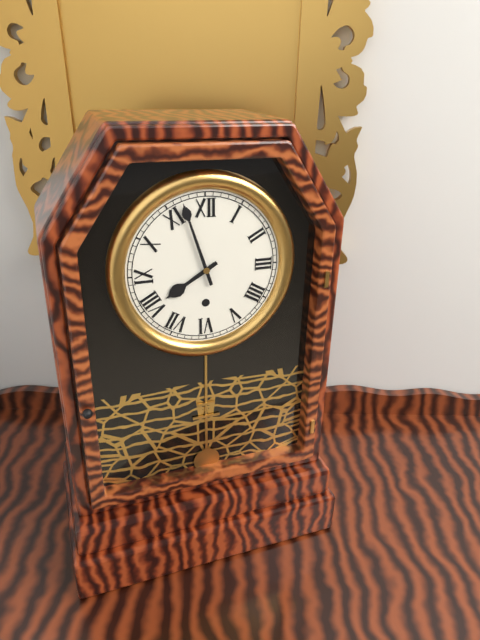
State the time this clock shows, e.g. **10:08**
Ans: **7:57**
